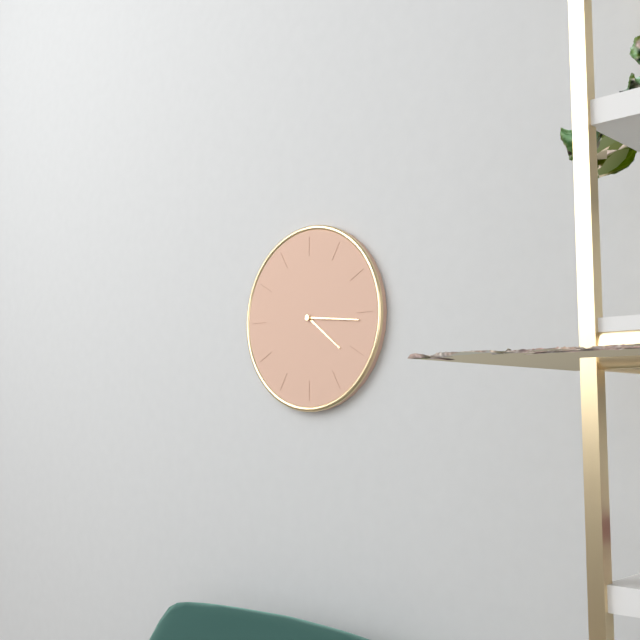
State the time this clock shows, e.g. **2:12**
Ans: **4:16**
